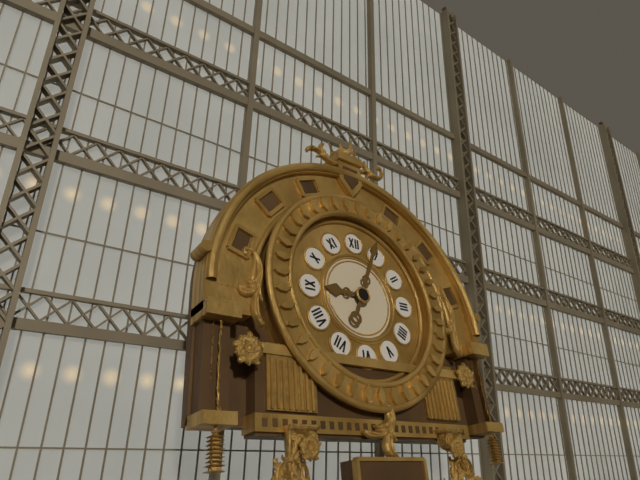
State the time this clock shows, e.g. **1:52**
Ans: **9:04**
